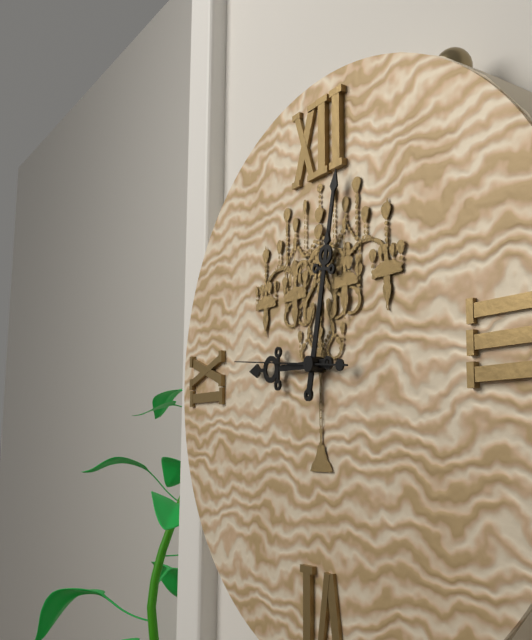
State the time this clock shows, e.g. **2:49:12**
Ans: **9:02:46**
